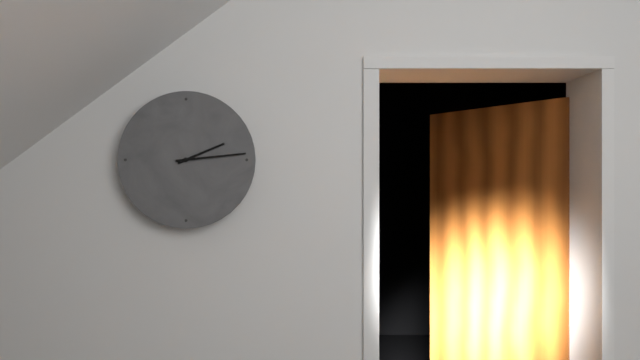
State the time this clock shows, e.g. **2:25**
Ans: **2:14**
